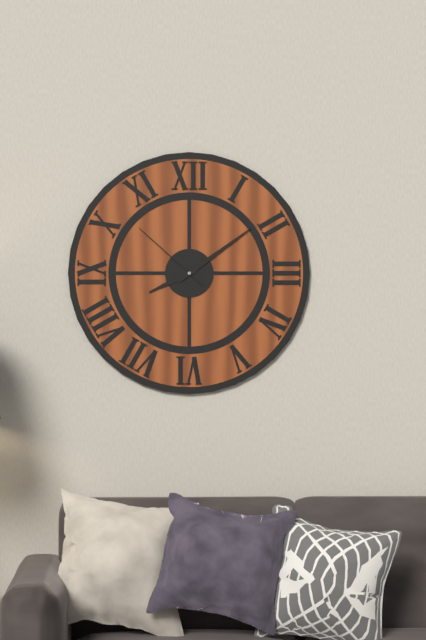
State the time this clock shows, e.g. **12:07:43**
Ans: **8:09:52**
